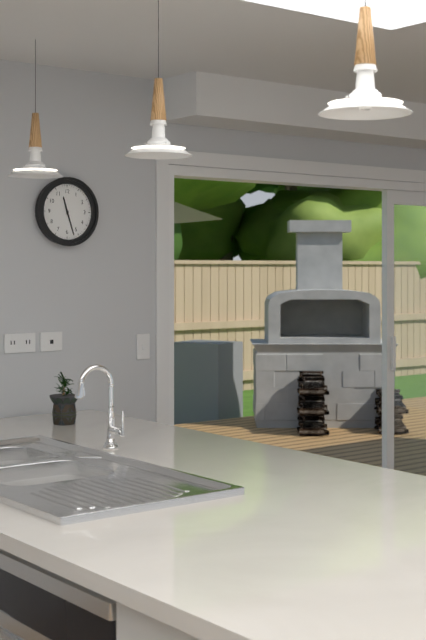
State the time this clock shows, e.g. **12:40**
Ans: **11:27**
